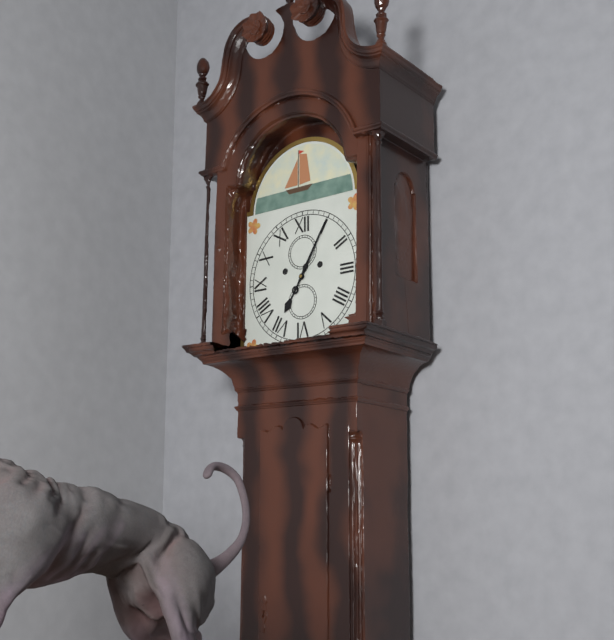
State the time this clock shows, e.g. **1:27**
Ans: **7:05**
